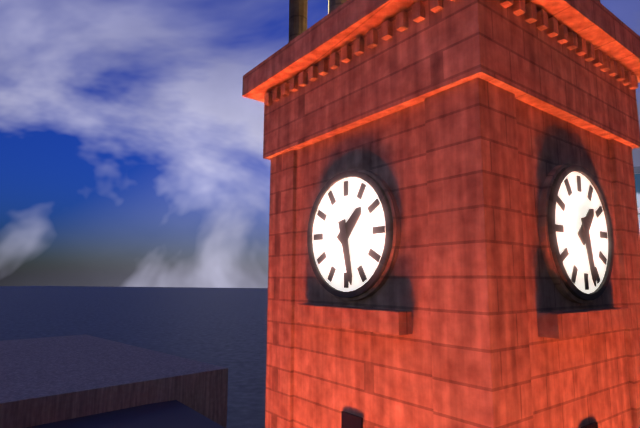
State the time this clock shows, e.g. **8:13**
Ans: **1:28**
